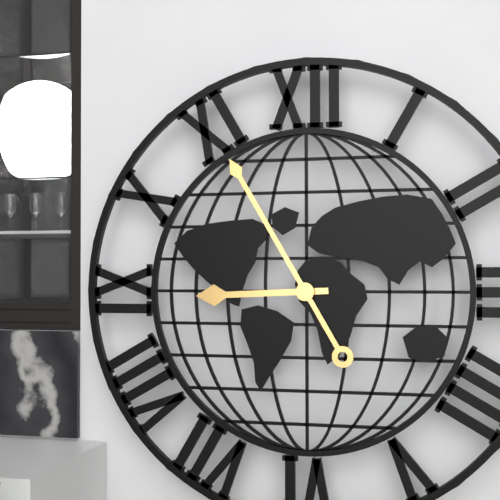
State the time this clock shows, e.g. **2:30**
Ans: **8:55**
